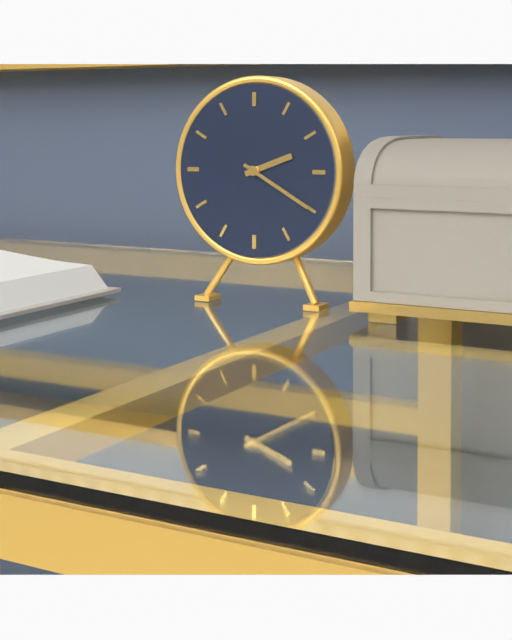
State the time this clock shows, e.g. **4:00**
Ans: **2:20**
